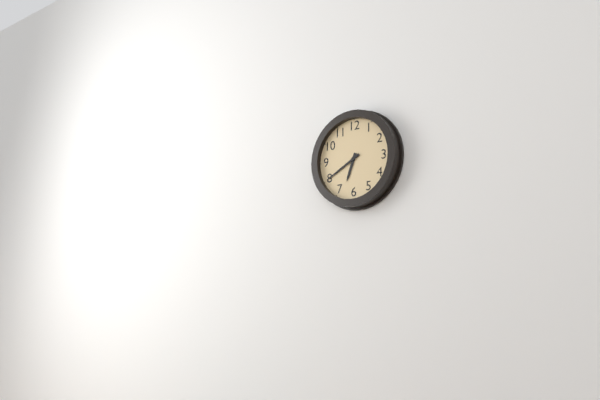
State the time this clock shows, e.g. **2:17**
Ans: **6:40**
